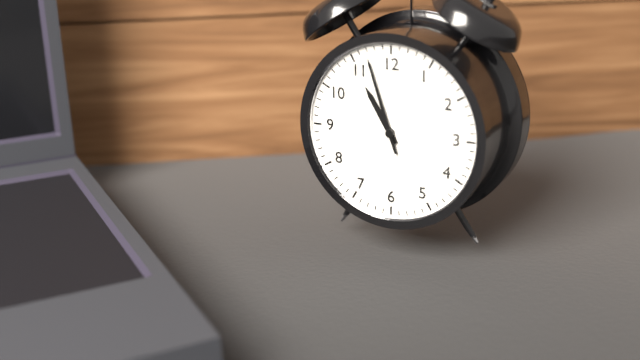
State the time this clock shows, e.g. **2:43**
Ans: **10:57**
